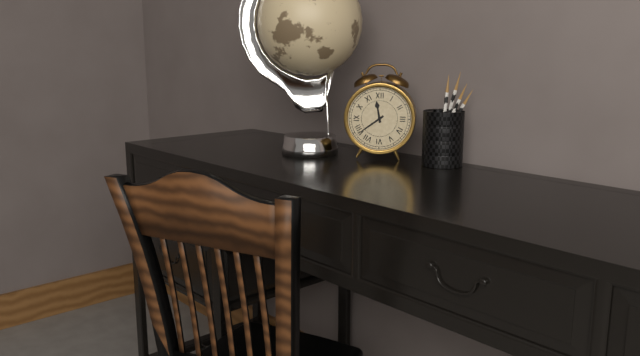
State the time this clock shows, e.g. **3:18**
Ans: **11:39**
